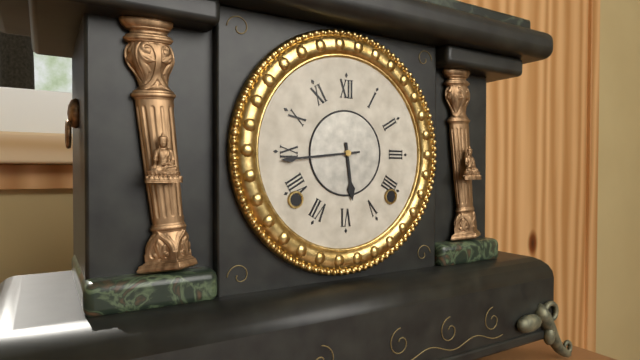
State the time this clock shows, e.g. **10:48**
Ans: **5:44**
